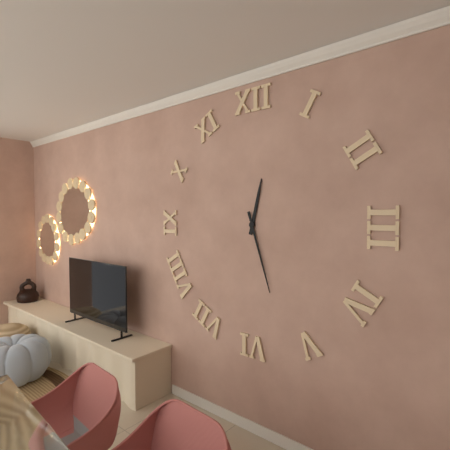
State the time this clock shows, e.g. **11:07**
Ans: **12:27**
